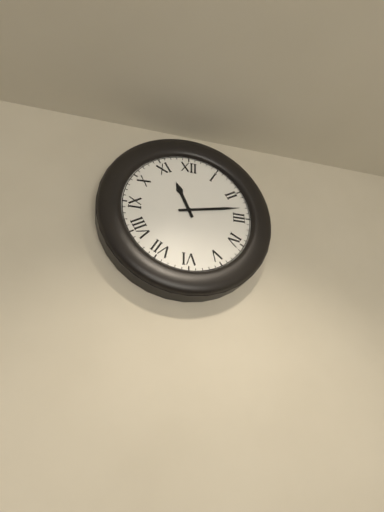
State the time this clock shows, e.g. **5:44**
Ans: **11:13**
